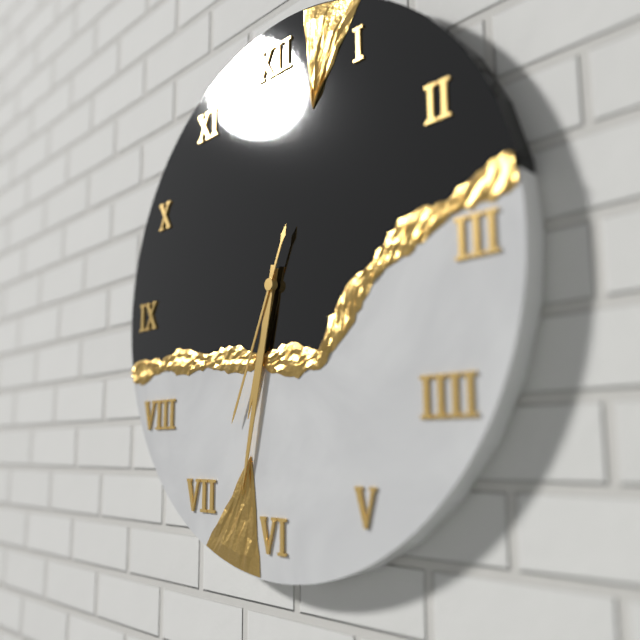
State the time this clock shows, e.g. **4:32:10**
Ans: **6:32:34**
